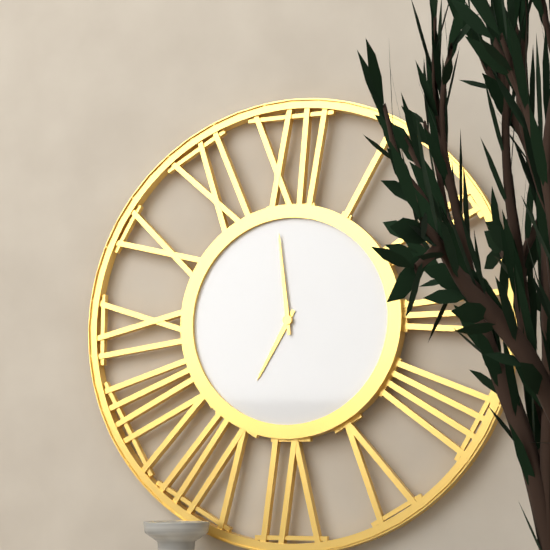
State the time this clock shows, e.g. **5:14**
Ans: **6:59**
